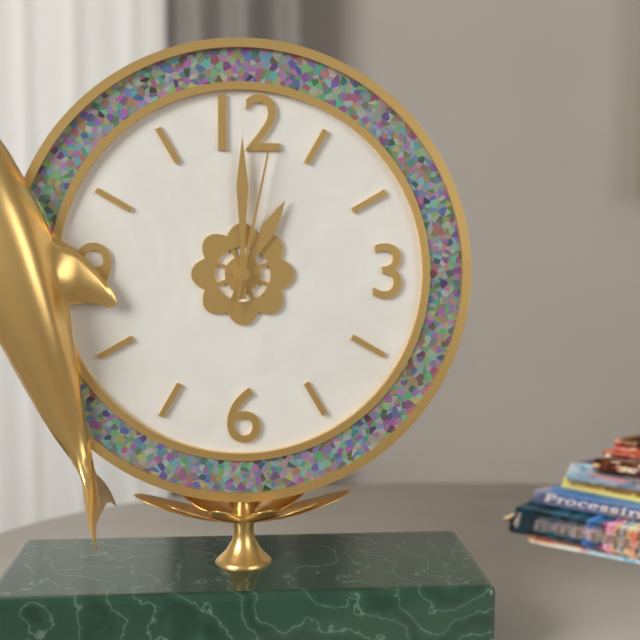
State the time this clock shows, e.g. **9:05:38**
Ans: **1:00:02**
